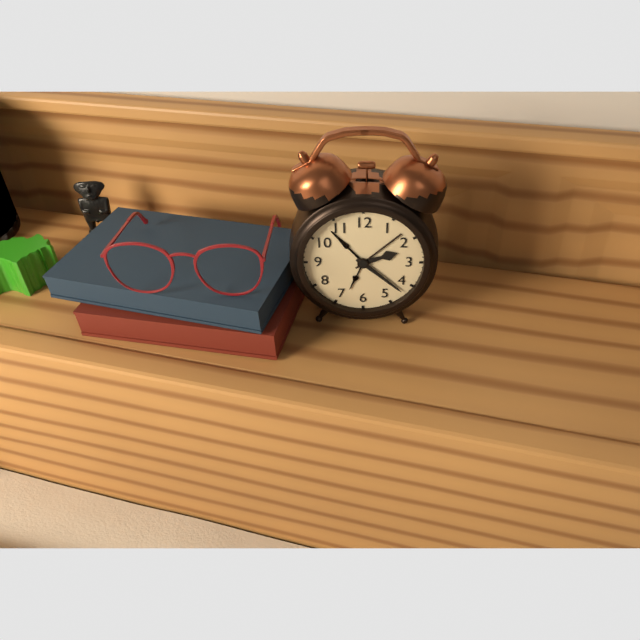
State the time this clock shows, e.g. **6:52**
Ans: **2:22**
